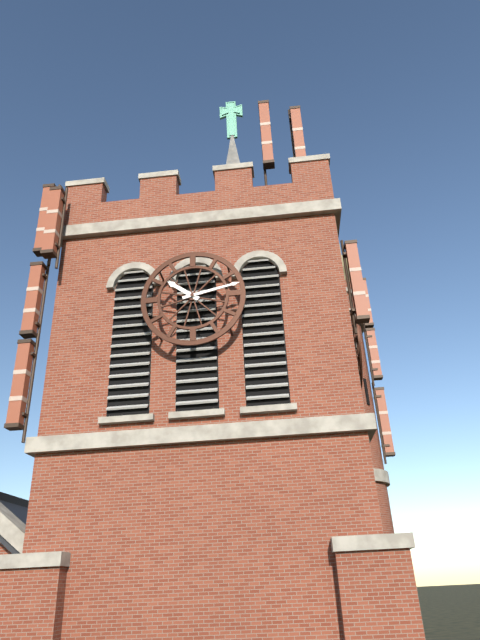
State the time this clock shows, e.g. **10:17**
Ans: **10:13**
